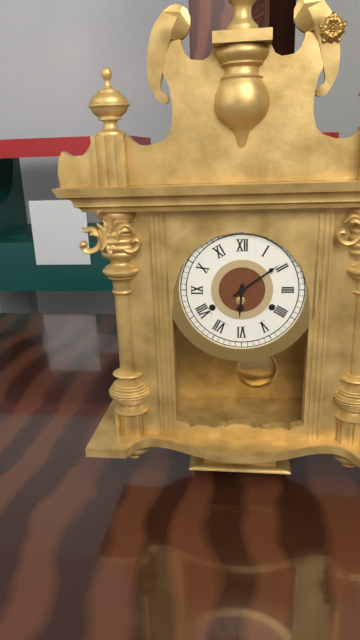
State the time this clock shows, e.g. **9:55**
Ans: **6:09**
